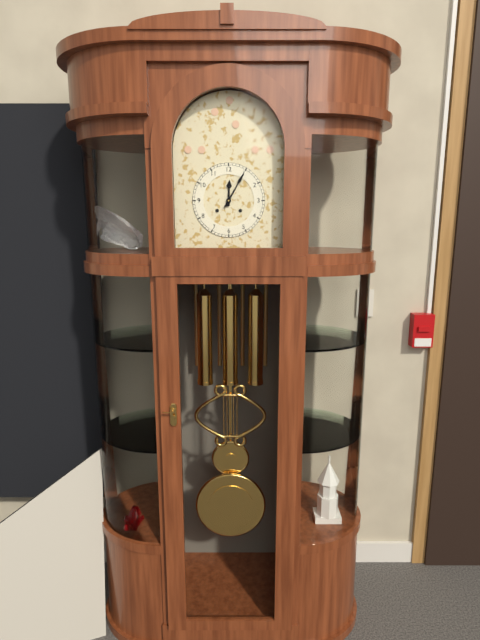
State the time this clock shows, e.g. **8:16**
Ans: **12:05**
